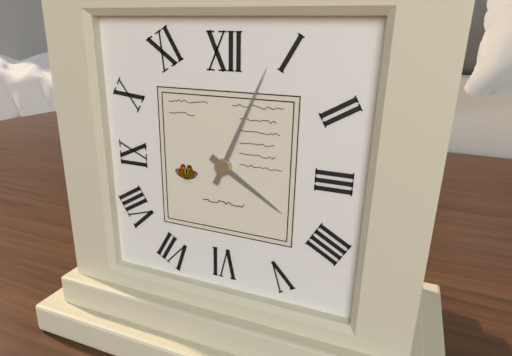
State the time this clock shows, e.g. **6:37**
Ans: **4:04**
